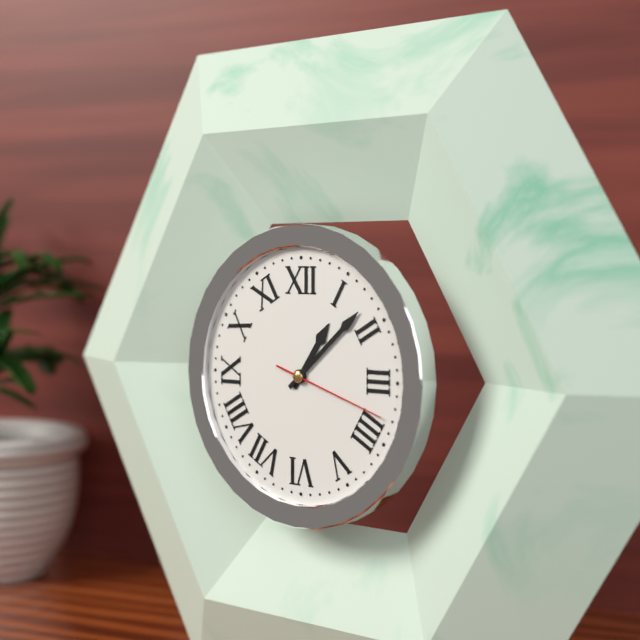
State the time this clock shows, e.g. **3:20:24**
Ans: **1:08:18**
